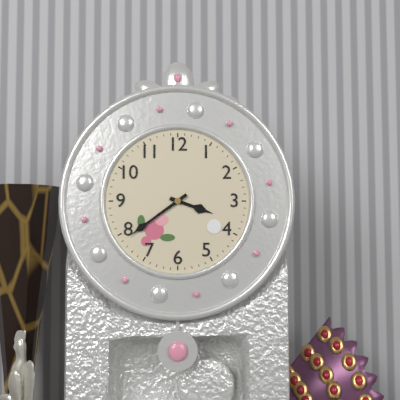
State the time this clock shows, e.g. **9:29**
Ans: **3:39**
